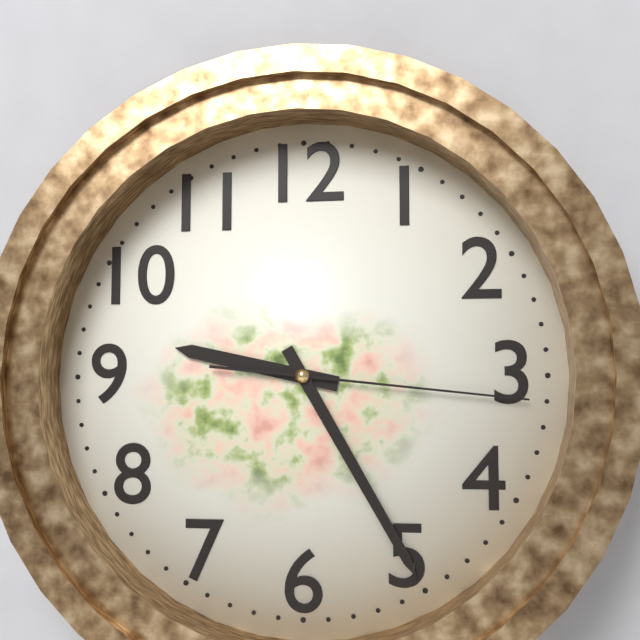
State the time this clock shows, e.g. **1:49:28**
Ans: **9:25:16**
